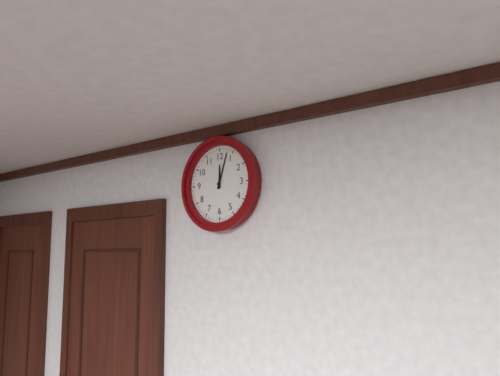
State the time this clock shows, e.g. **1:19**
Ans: **12:03**
